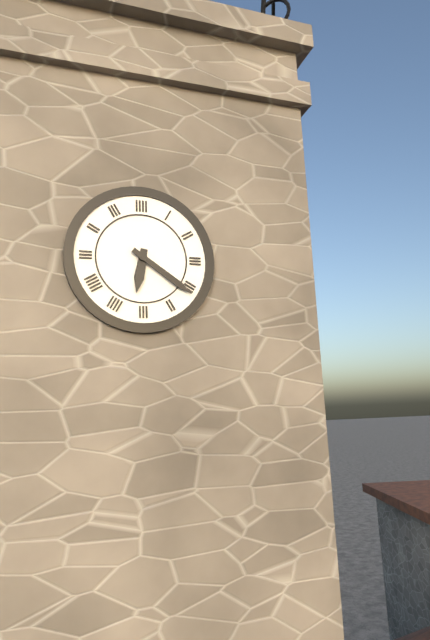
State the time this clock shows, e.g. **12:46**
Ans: **6:21**
